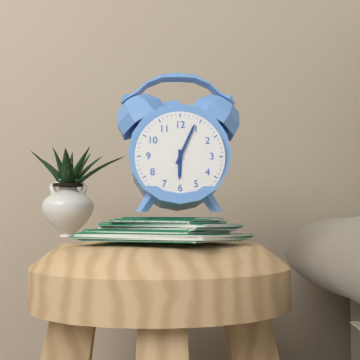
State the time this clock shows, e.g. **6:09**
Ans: **6:04**
